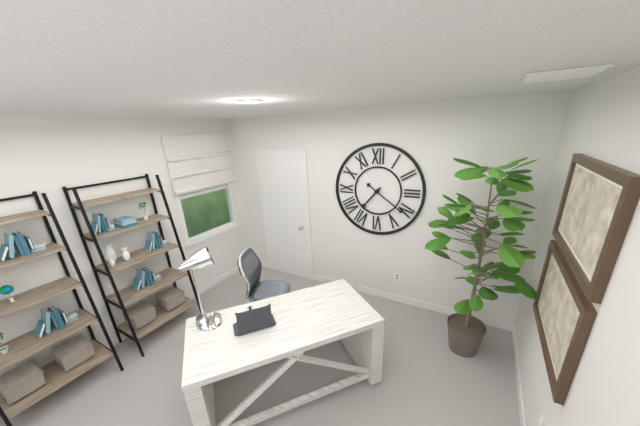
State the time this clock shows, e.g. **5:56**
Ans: **7:21**
